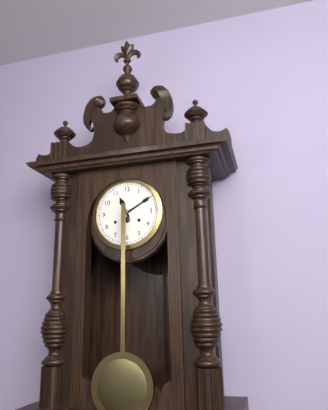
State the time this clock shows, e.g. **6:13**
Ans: **11:10**
